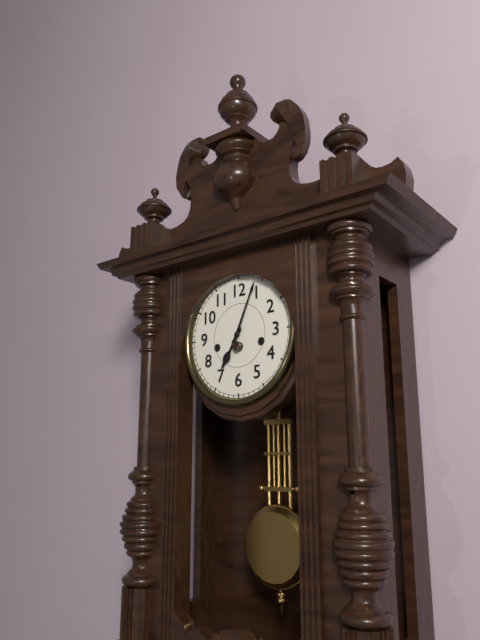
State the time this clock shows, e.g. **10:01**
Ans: **7:04**
